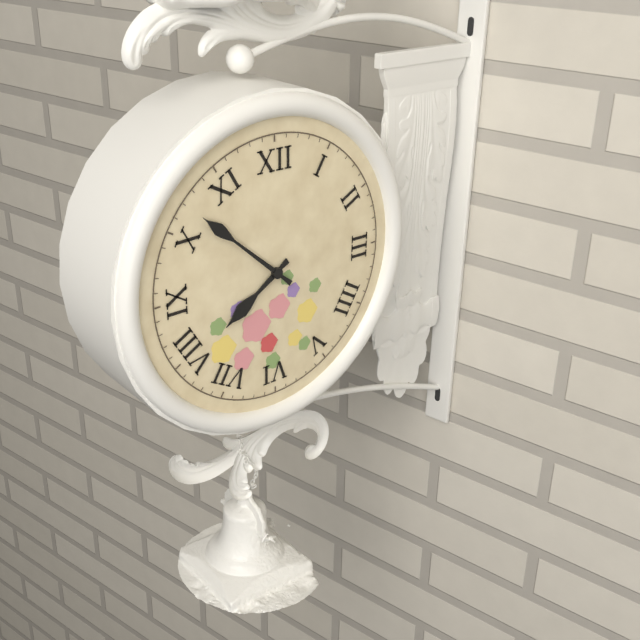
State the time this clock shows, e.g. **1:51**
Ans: **7:52**
